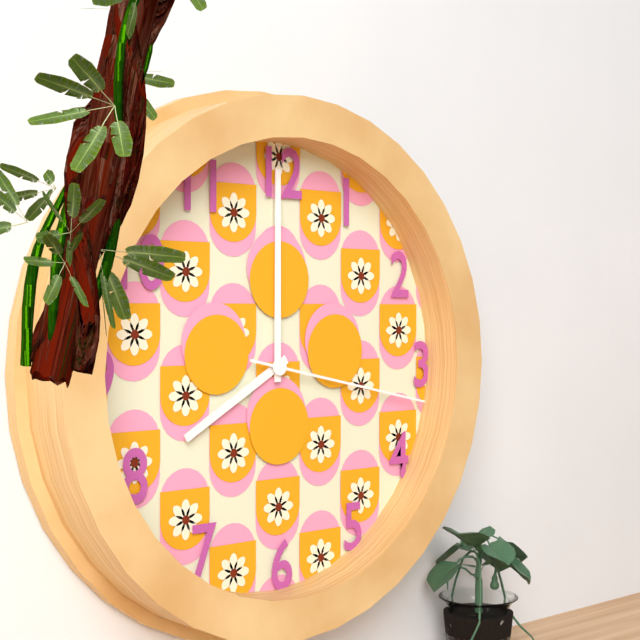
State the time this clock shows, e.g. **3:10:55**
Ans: **8:00:17**
